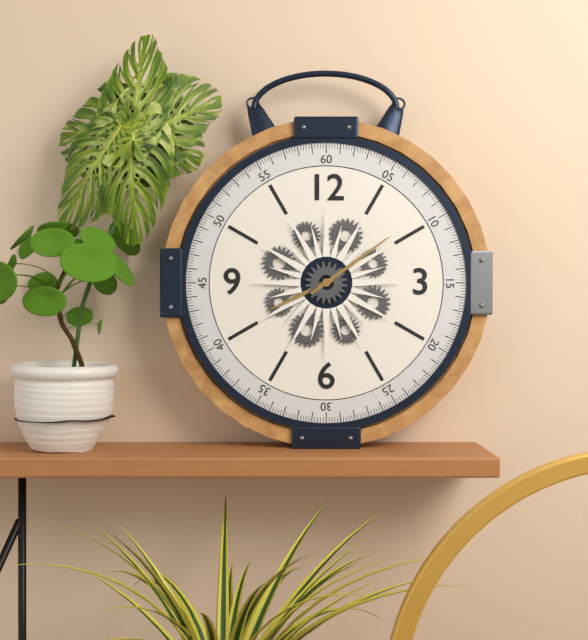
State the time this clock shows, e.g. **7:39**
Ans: **8:09**
